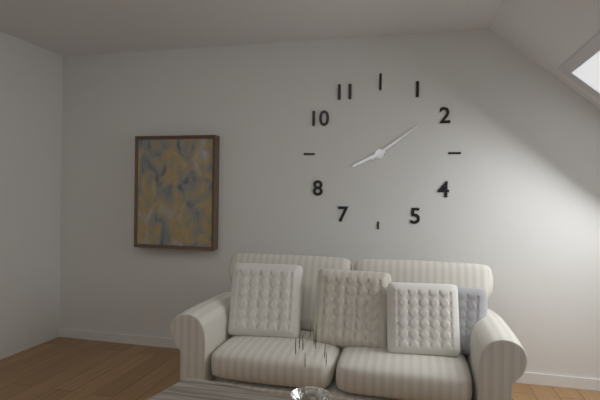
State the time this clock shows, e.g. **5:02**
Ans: **8:09**
